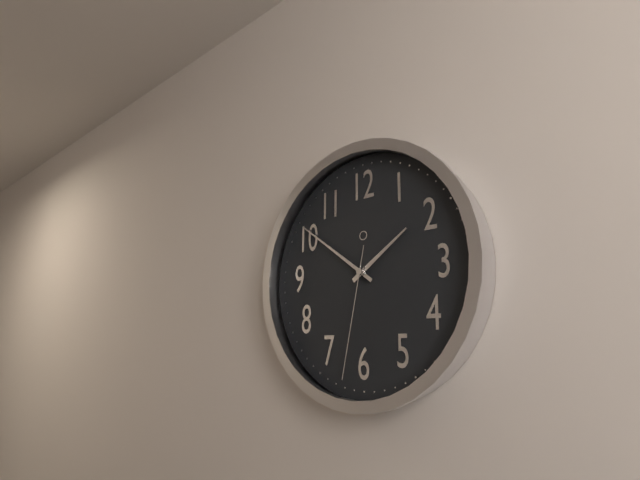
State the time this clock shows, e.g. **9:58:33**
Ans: **1:51:32**
